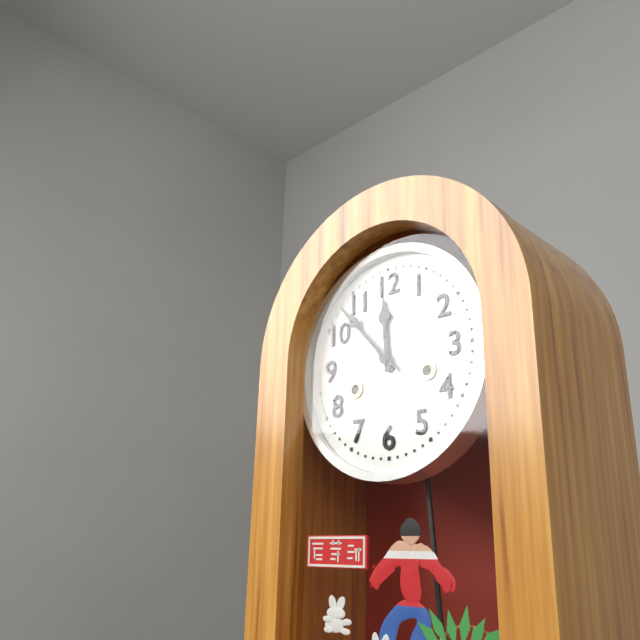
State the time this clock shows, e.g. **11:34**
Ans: **11:53**
